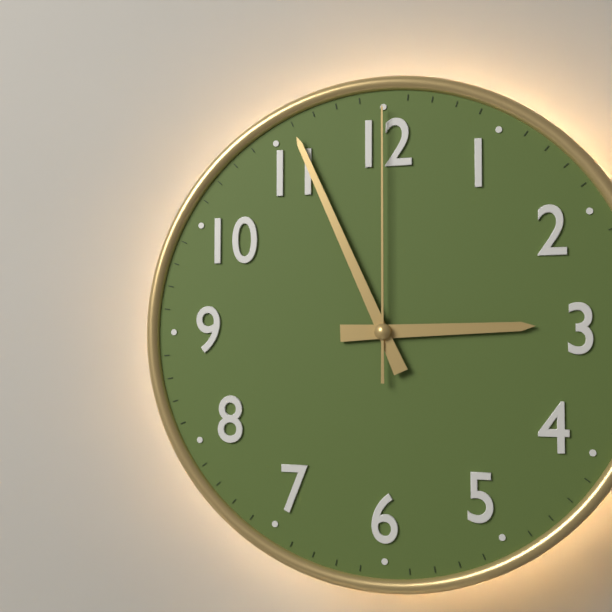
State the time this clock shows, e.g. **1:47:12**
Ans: **2:56:00**
